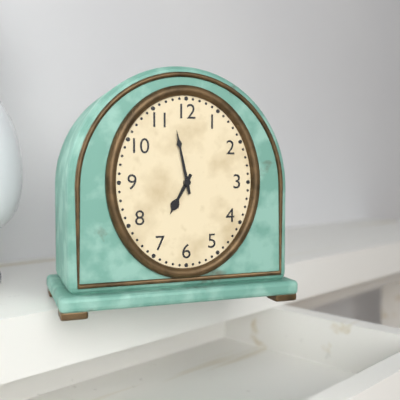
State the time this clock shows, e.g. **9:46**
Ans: **6:58**
